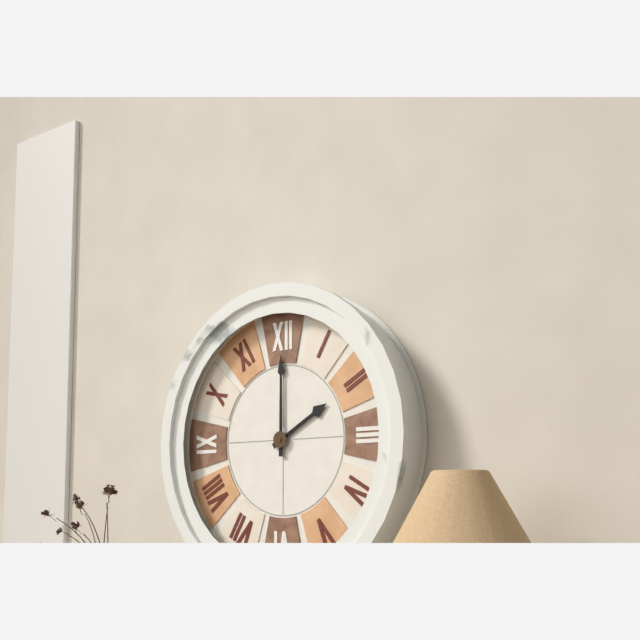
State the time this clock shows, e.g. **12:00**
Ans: **2:00**
